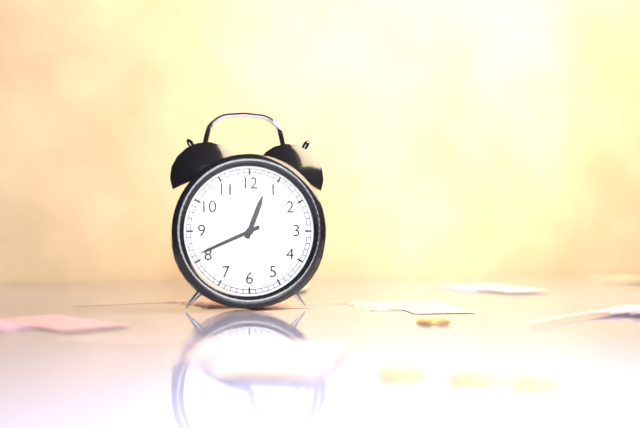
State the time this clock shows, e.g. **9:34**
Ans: **12:41**
